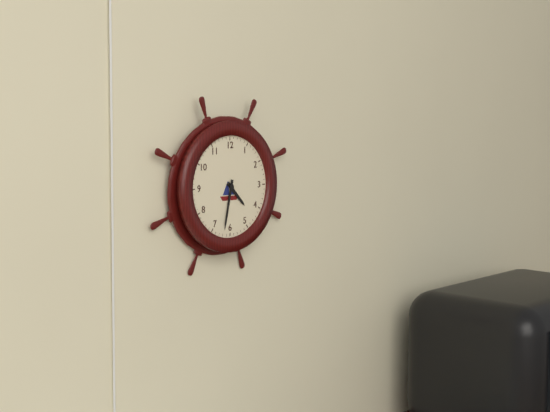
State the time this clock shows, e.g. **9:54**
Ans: **4:32**
